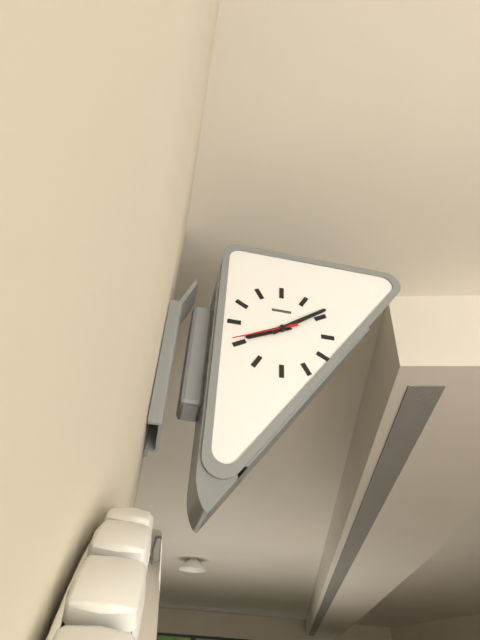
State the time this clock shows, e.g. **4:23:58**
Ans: **8:09:41**
